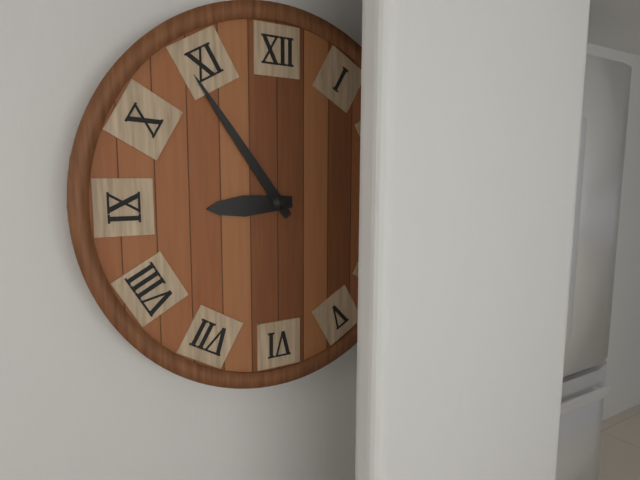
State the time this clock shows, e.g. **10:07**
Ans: **8:54**
